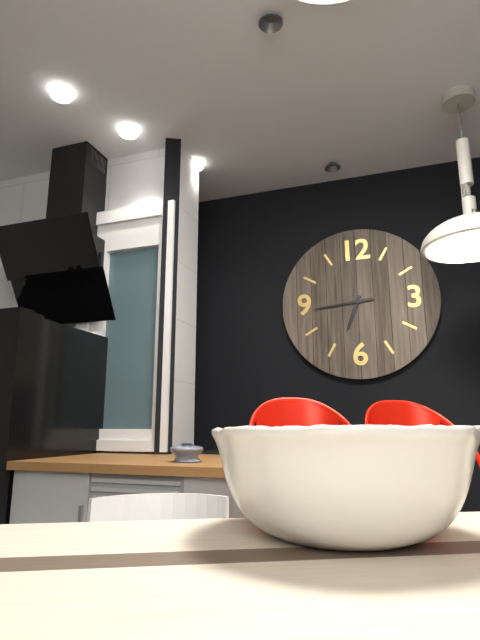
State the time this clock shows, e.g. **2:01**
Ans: **6:44**
